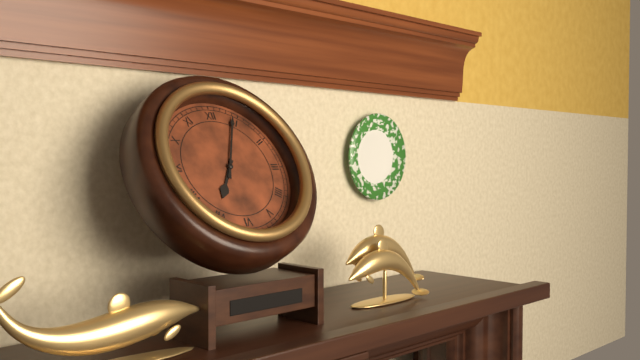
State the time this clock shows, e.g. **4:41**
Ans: **7:04**
